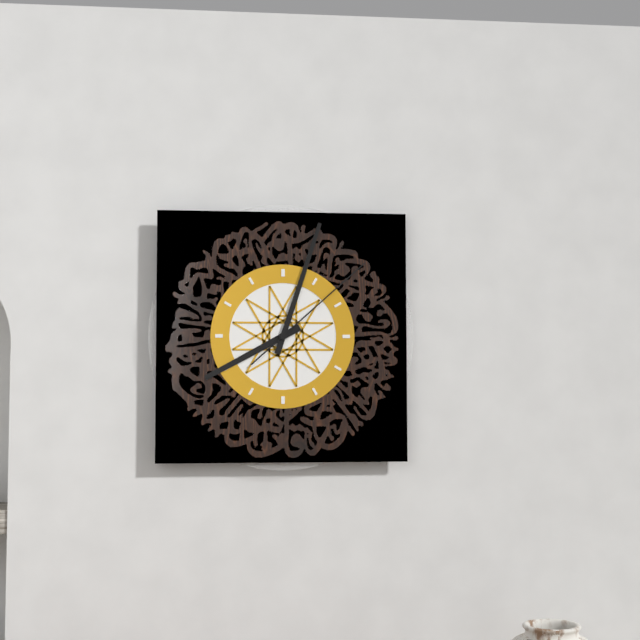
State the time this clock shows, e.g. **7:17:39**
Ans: **8:03:08**
